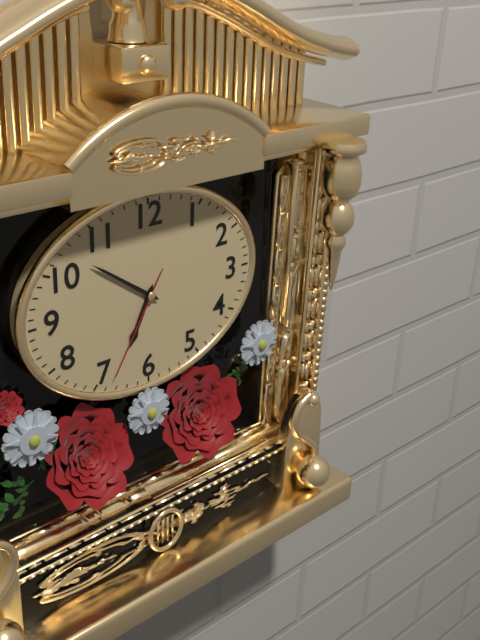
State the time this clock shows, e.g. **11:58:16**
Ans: **6:51:35**
